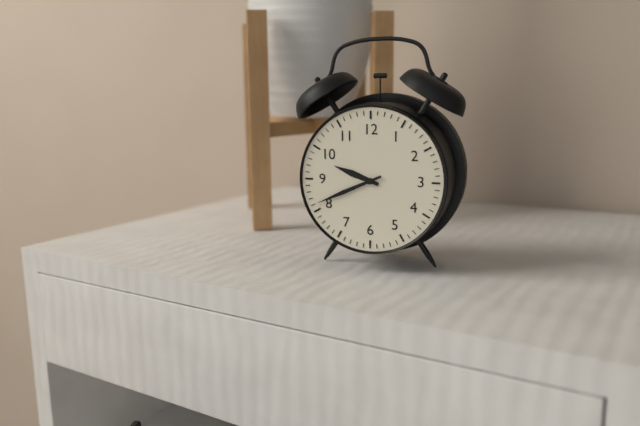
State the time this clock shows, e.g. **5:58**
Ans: **9:41**
